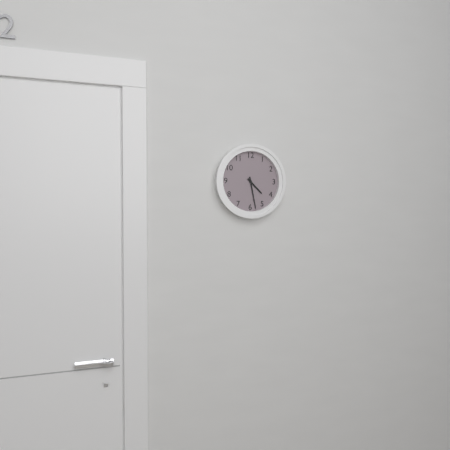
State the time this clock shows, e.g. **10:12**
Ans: **4:28**
